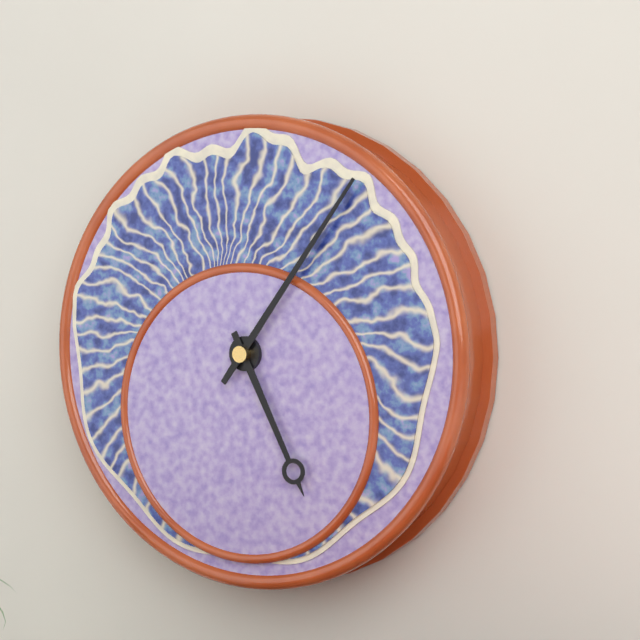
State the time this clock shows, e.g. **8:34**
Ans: **5:06**
